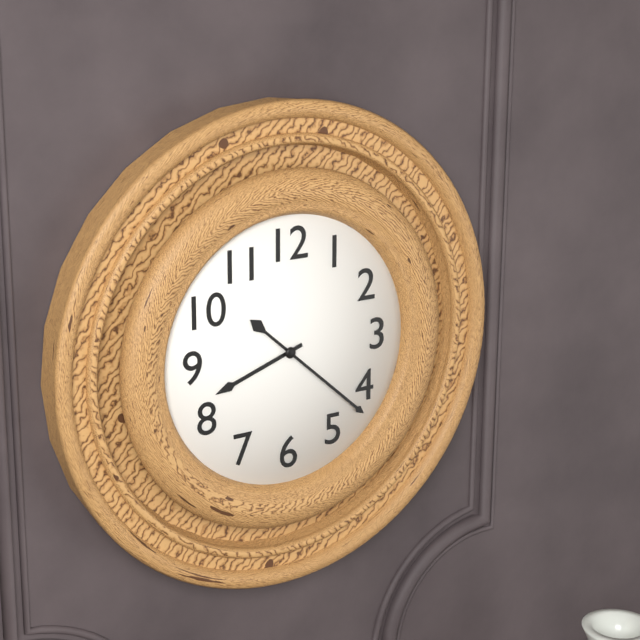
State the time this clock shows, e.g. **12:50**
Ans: **8:22**
